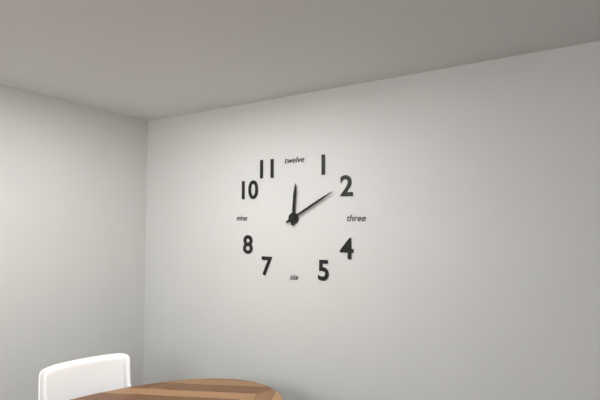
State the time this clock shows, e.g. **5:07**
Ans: **12:10**
